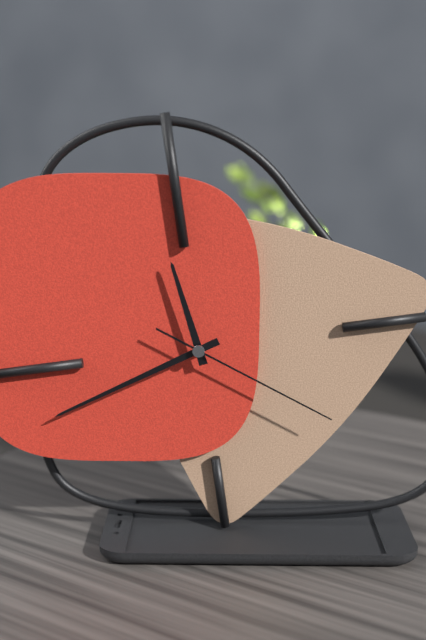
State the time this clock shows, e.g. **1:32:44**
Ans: **11:42:21**
